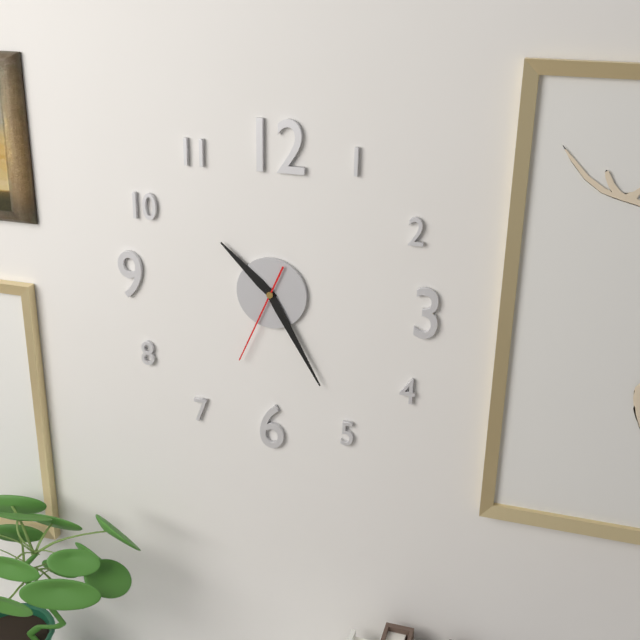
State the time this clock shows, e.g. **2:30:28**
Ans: **10:25:34**
